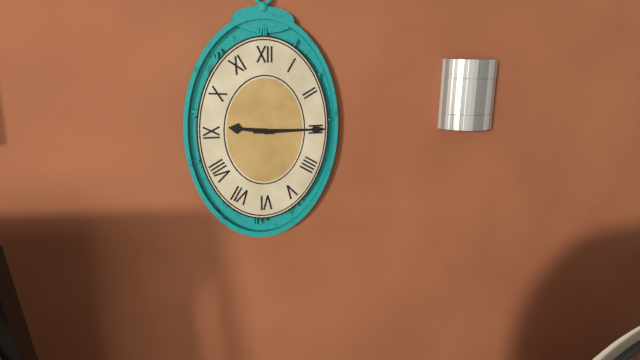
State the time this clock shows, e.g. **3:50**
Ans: **9:15**
